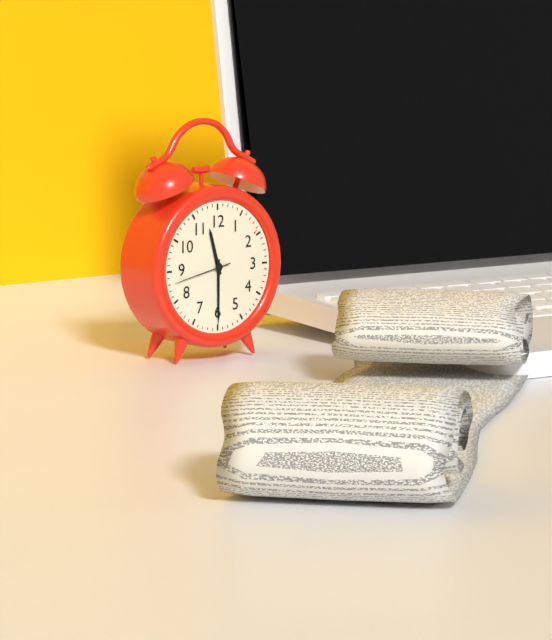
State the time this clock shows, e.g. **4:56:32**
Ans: **11:30:43**
